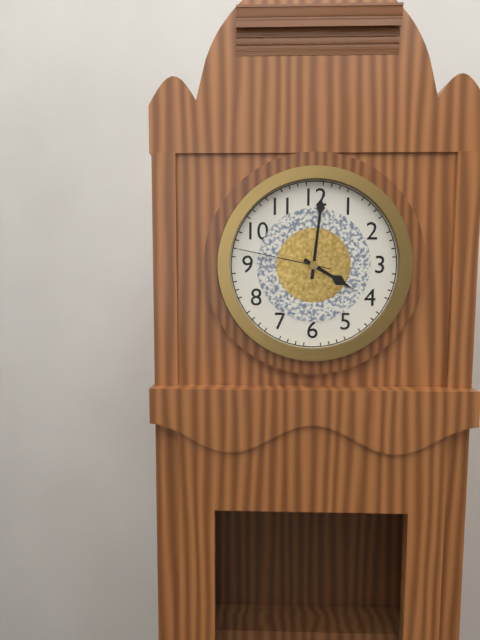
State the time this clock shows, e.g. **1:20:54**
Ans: **4:01:47**
